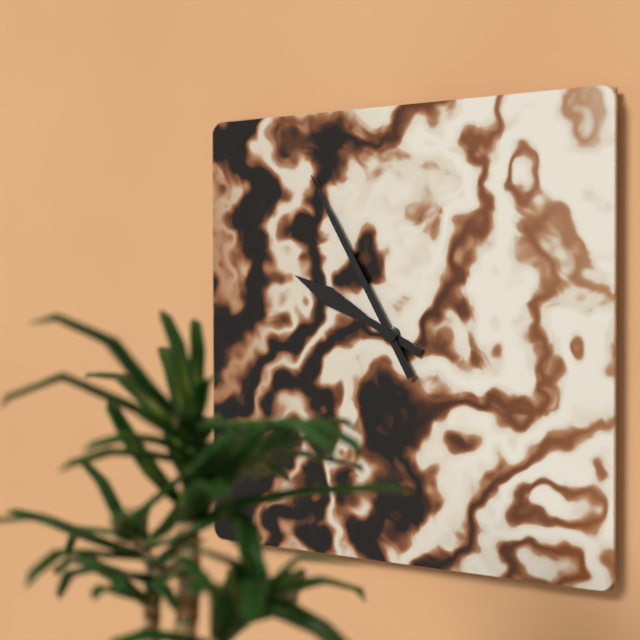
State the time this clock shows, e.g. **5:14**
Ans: **9:55**
